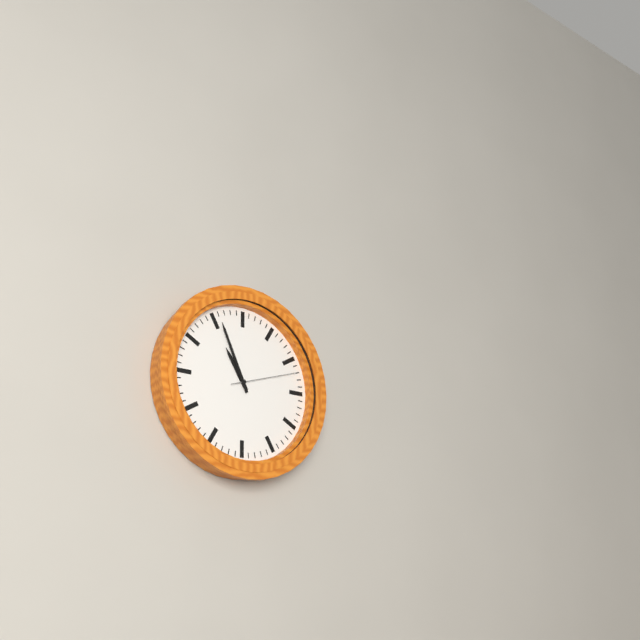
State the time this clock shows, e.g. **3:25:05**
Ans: **10:56:12**
